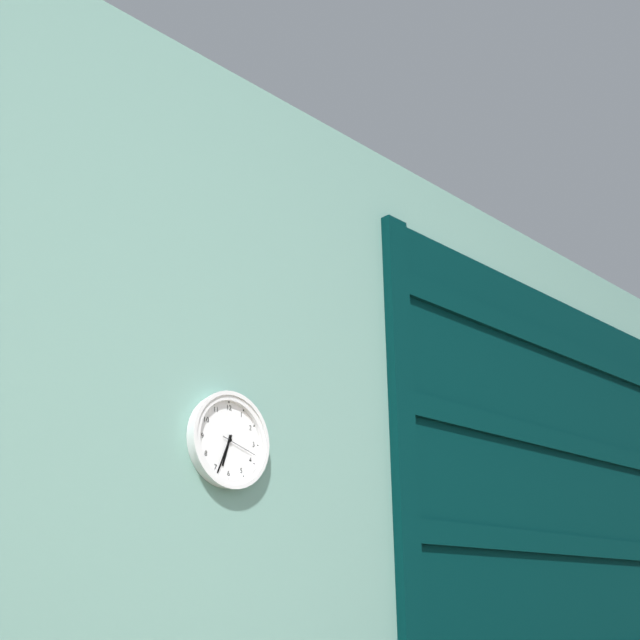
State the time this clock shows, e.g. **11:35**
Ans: **6:34**
